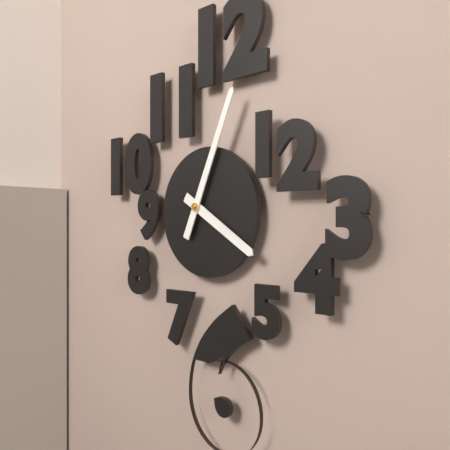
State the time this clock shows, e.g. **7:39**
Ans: **4:04**
